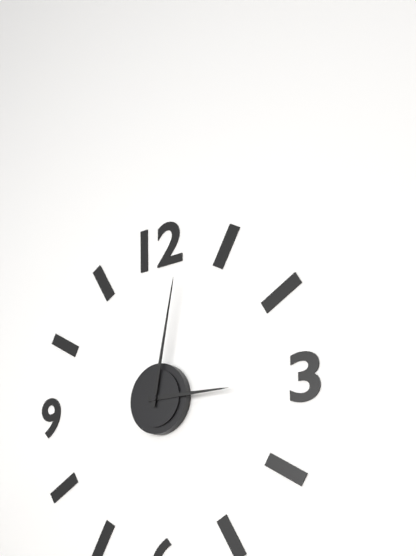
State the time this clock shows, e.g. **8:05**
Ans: **3:02**
